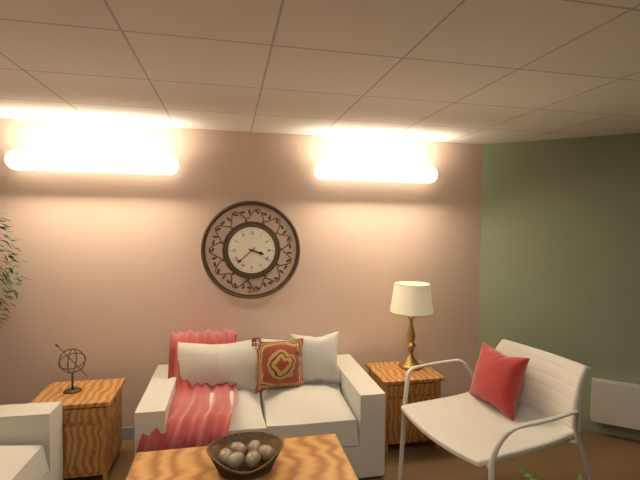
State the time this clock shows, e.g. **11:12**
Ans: **3:38**
